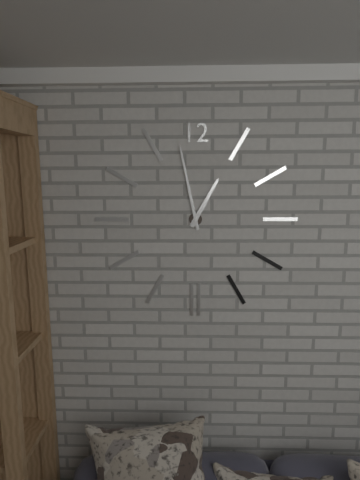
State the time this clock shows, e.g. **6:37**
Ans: **12:58**
